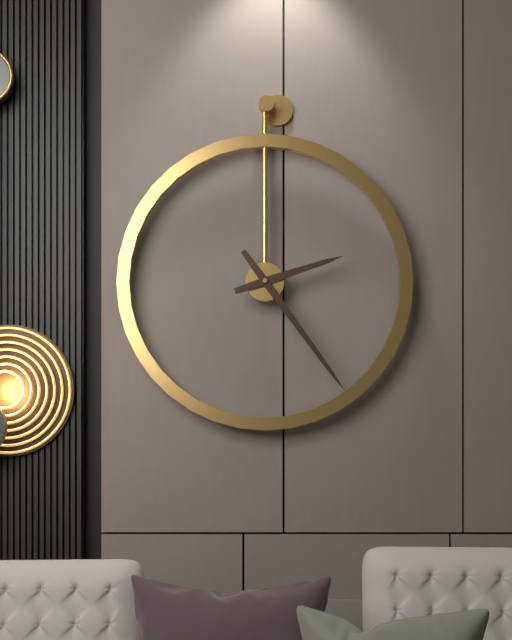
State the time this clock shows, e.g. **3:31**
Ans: **2:24**
